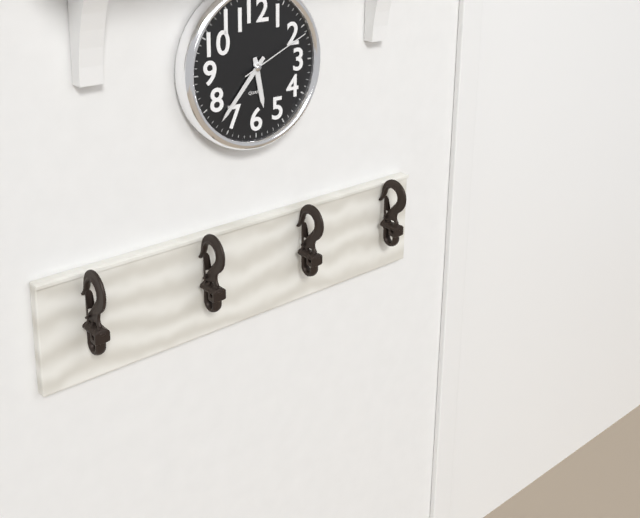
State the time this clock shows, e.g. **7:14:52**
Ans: **5:37:11**
